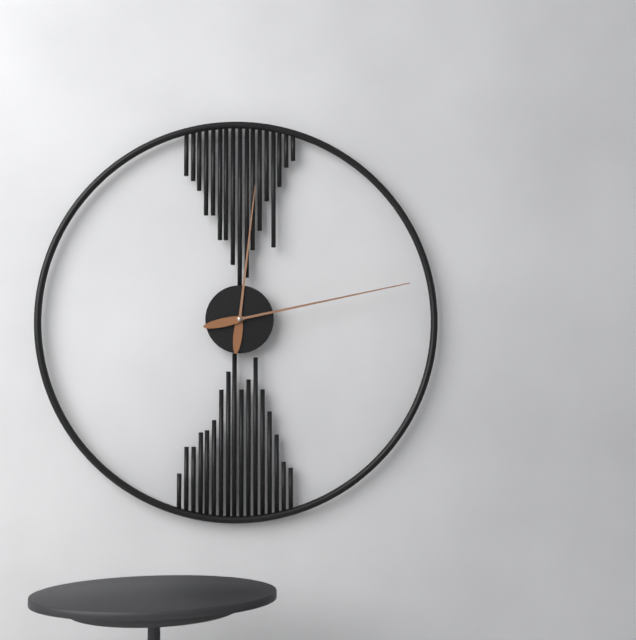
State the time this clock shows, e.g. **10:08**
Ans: **12:13**
